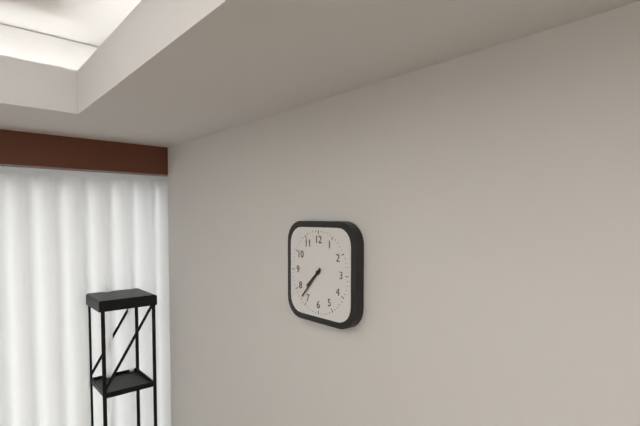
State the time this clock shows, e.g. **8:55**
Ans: **7:37**
